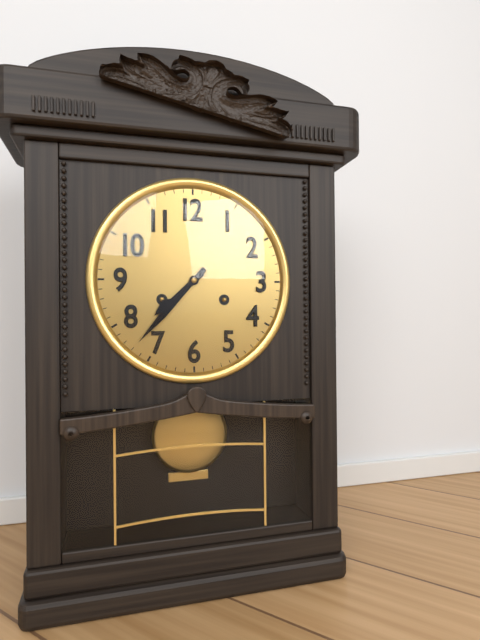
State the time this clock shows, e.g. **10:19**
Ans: **7:37**
